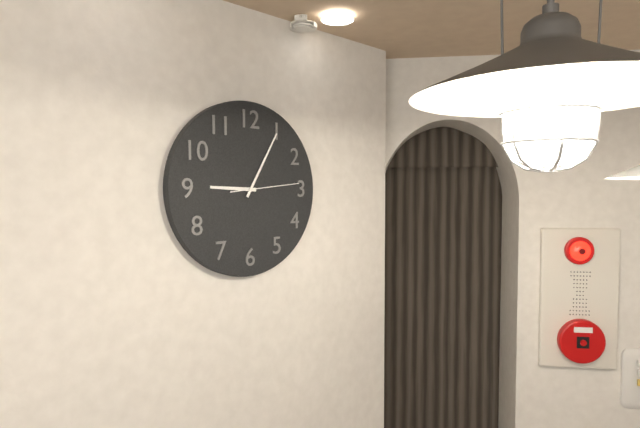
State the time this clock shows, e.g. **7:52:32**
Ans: **9:05:14**
